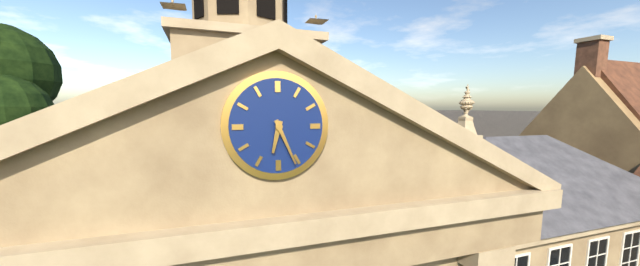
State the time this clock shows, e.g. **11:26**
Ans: **6:26**
